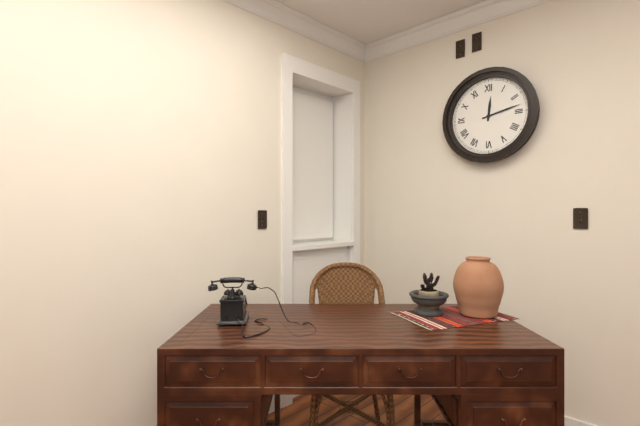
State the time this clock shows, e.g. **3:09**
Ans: **12:13**
